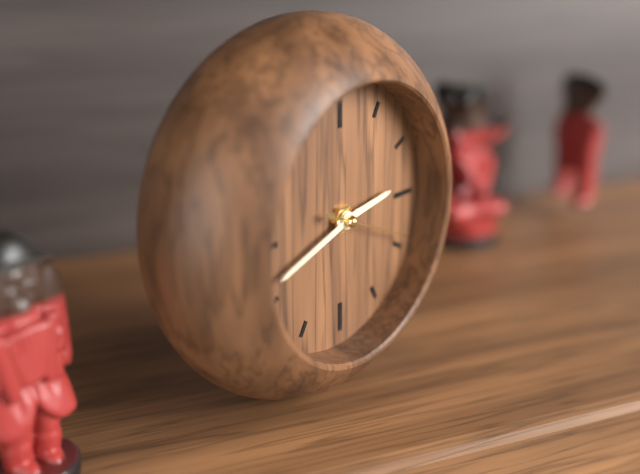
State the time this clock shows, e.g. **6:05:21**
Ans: **2:42:19**
